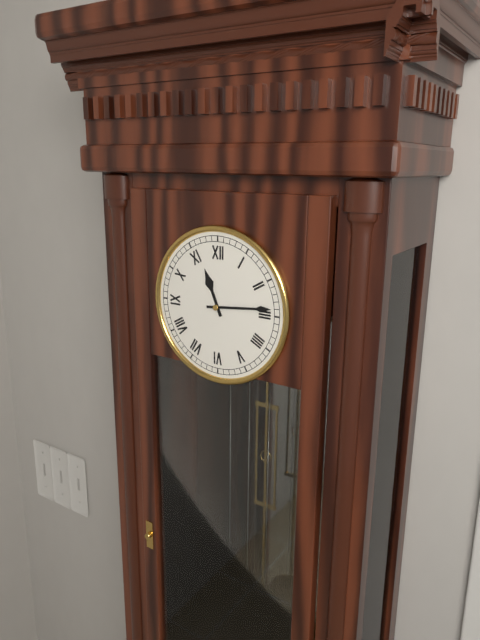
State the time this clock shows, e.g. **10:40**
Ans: **11:14**
